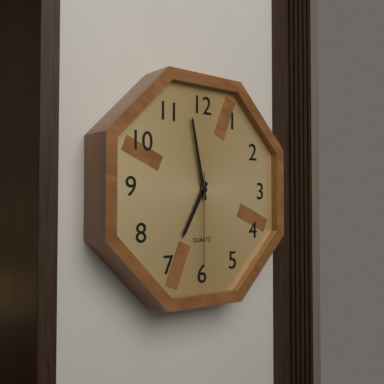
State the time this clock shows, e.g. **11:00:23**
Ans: **6:58:30**
